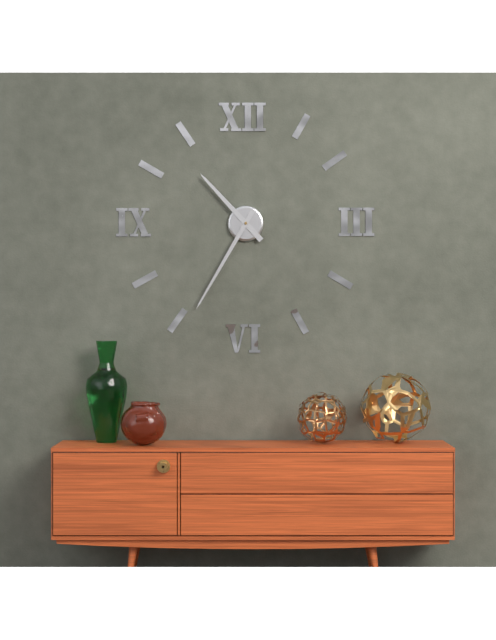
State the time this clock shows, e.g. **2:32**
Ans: **10:35**
